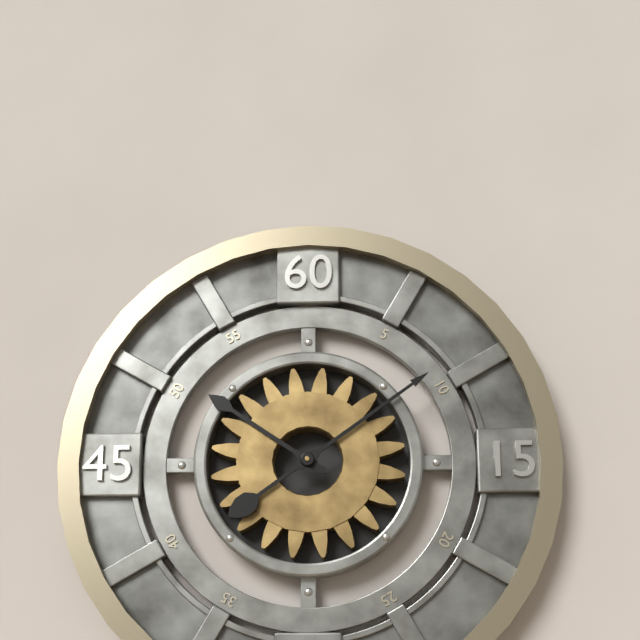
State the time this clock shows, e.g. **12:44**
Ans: **10:09**
